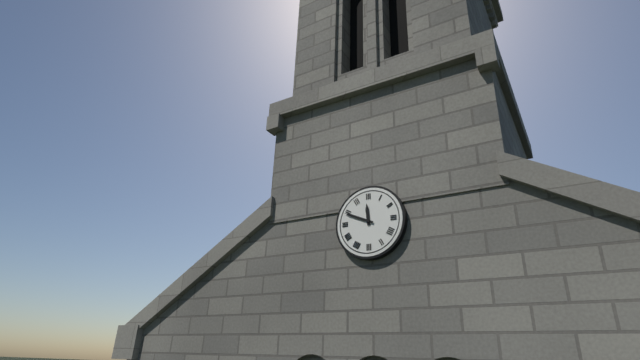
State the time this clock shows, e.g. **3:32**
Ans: **11:49**
